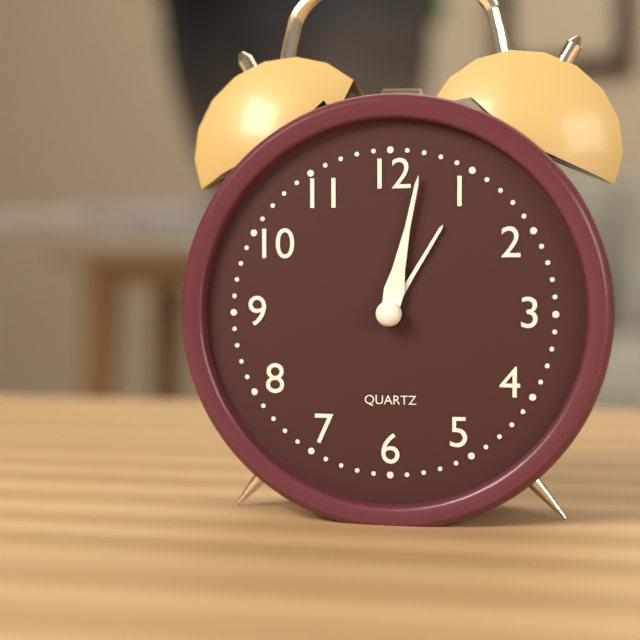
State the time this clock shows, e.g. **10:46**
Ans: **1:02**
